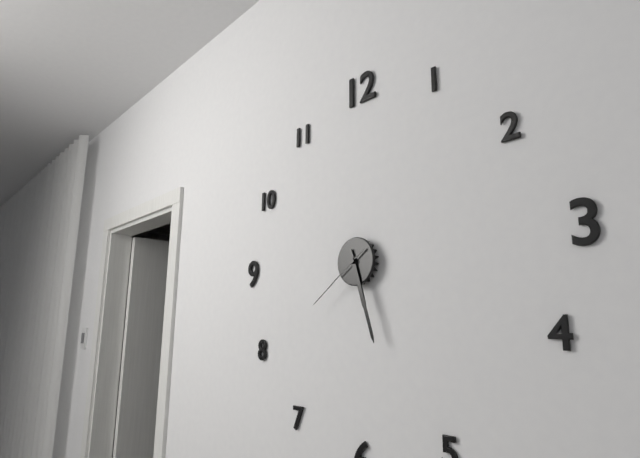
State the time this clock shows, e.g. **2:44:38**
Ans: **5:27:39**
